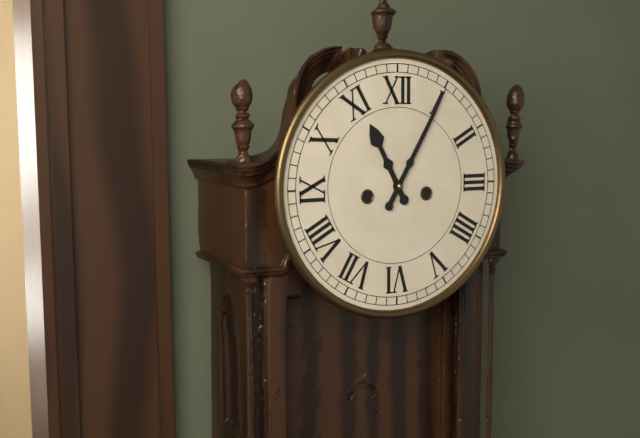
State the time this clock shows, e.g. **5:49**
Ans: **11:05**
